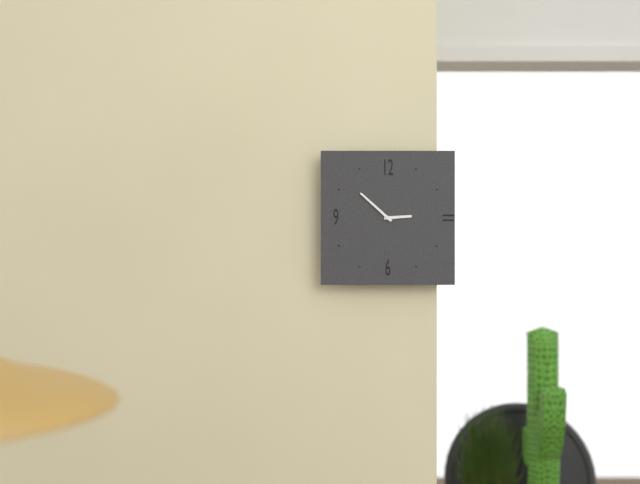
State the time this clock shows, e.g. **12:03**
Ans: **2:52**
